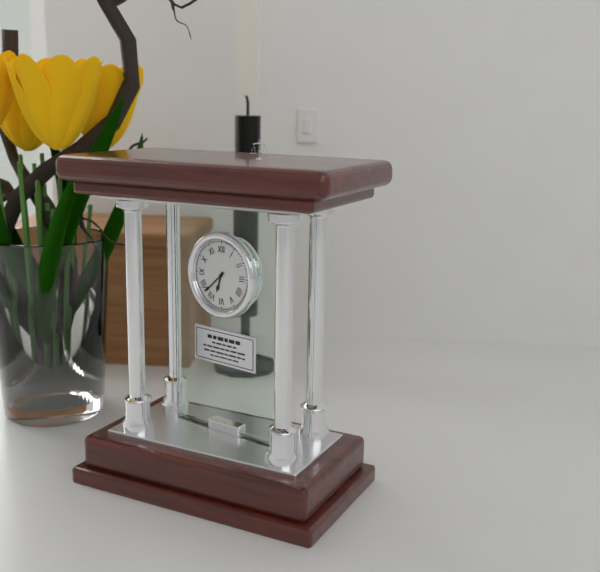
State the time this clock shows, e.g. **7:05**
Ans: **6:38**
